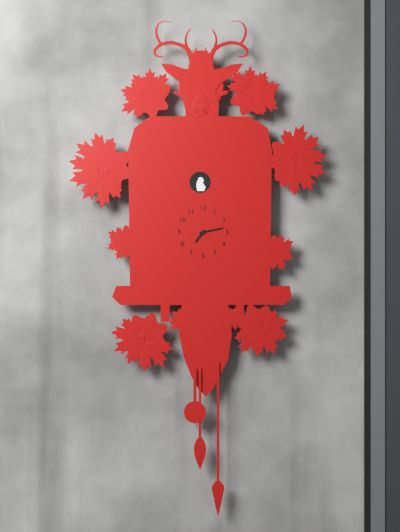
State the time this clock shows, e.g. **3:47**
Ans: **7:13**
